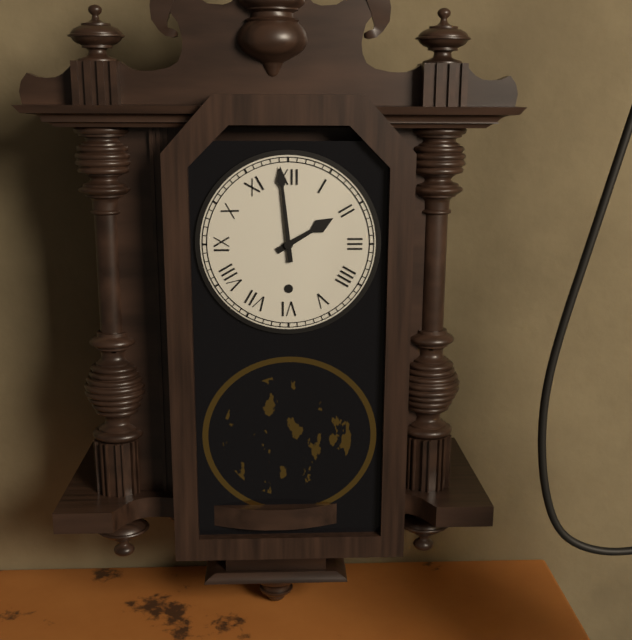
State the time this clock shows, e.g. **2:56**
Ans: **1:59**
